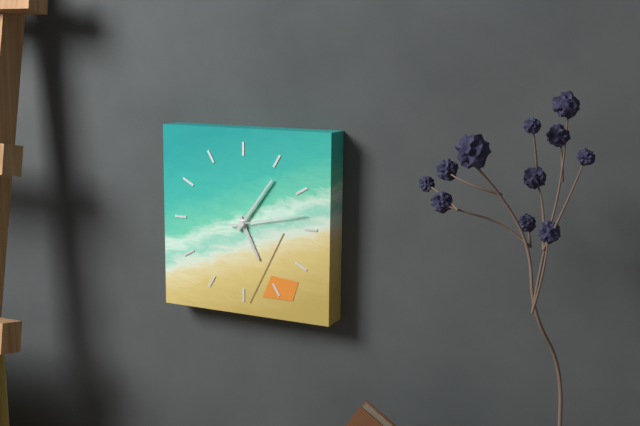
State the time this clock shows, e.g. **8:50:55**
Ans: **5:06:13**
